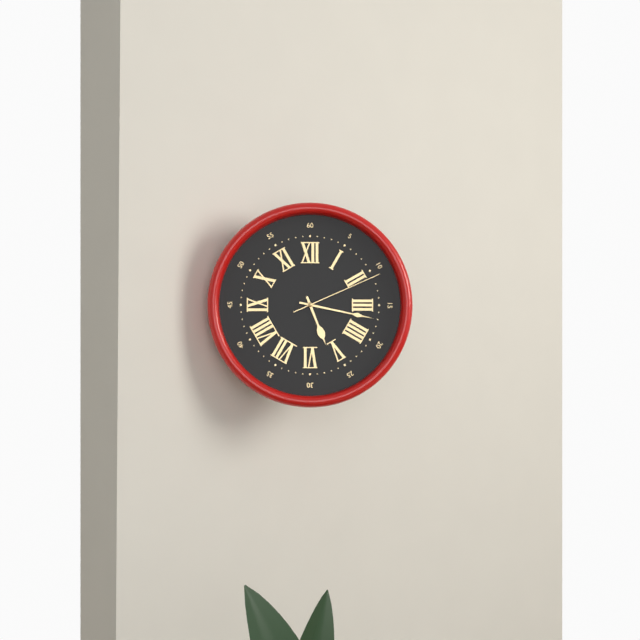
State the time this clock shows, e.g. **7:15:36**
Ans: **5:17:11**
